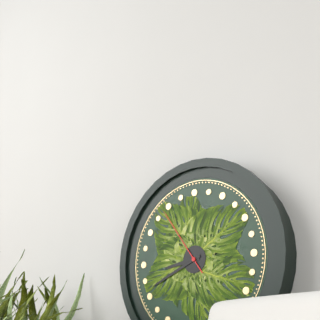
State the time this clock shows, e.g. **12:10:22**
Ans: **8:41:54**
